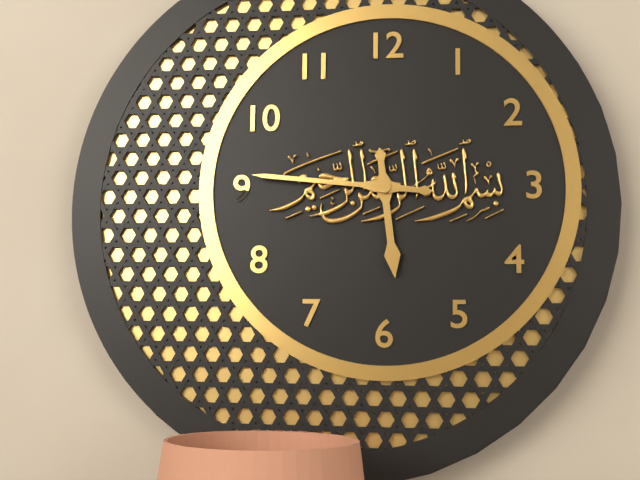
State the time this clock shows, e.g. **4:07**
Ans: **5:46**
